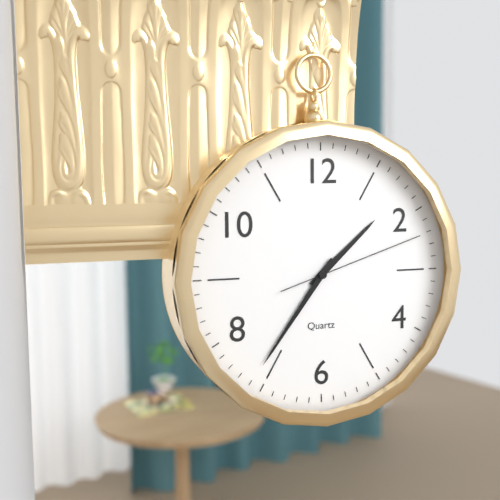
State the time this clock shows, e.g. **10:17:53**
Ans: **1:36:12**
